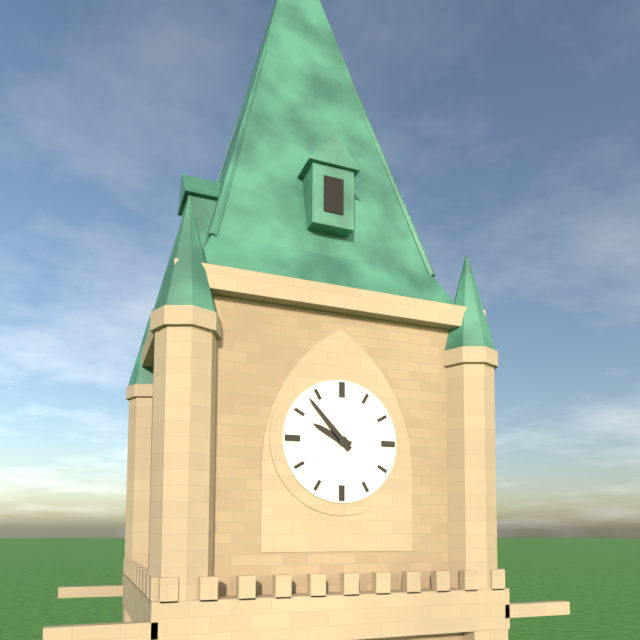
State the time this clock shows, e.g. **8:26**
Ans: **9:53**
